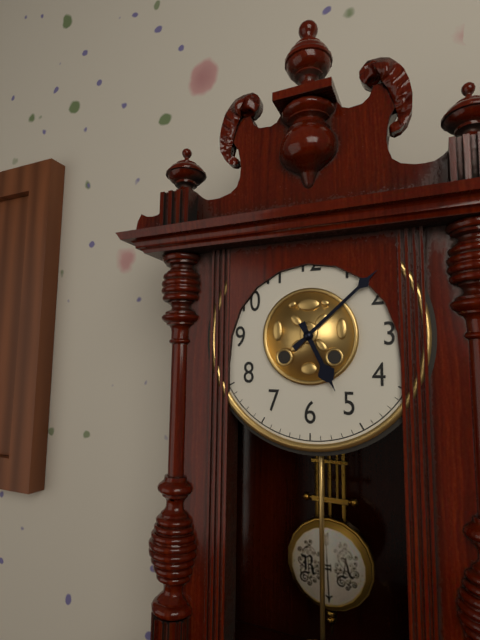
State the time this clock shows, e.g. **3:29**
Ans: **5:08**
